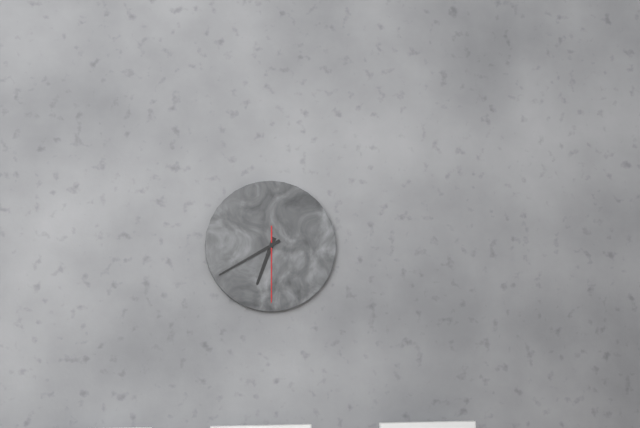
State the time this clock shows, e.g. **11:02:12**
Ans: **6:40:30**
